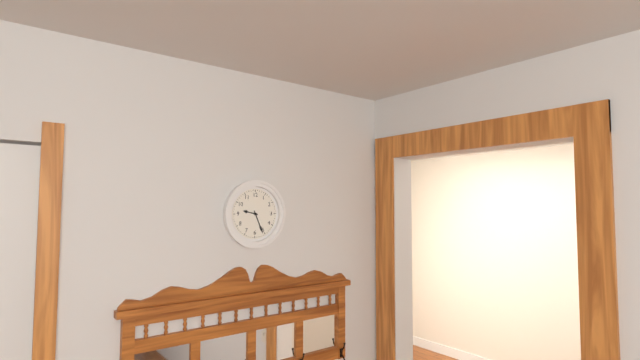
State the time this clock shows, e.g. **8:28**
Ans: **9:26**
